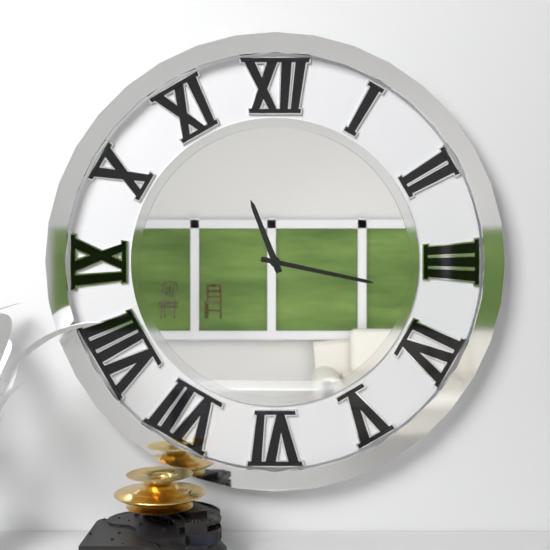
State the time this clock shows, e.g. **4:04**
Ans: **11:17**
